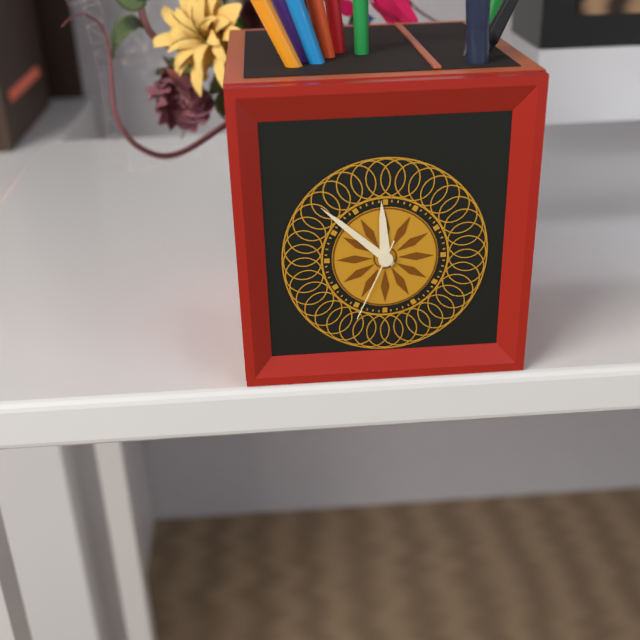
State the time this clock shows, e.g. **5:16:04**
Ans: **11:52:34**
